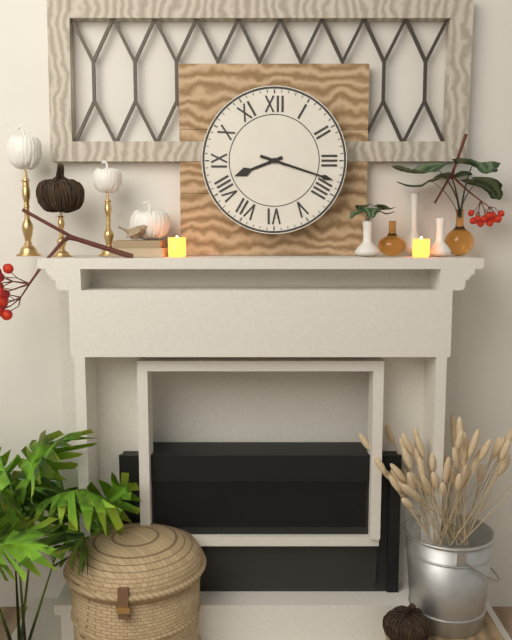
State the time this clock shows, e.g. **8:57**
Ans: **8:18**
